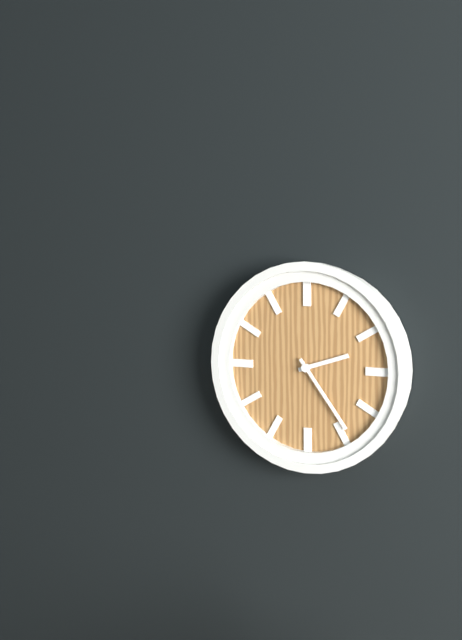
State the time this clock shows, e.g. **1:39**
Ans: **2:24**
